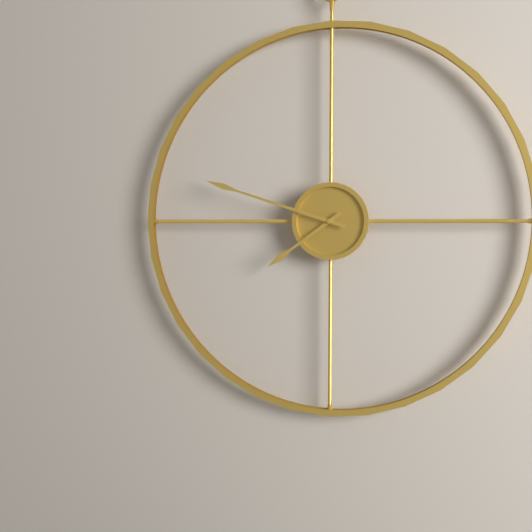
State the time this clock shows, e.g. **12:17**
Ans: **7:48**
